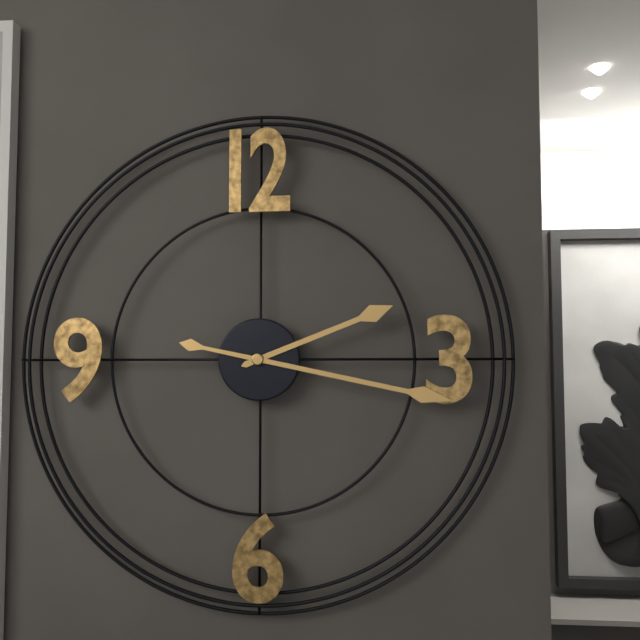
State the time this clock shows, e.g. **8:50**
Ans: **2:17**
